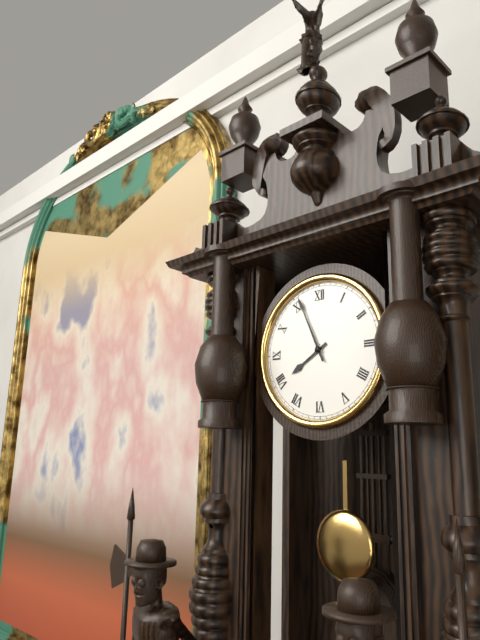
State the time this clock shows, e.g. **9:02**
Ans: **7:56**
